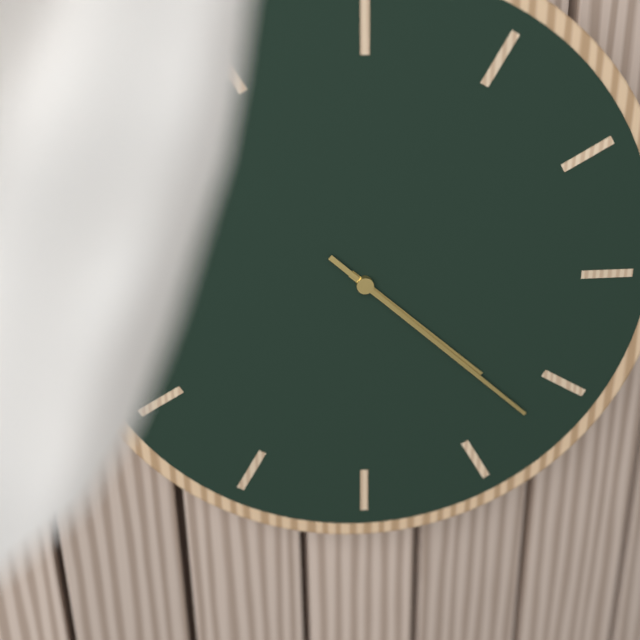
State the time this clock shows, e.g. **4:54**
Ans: **4:22**
